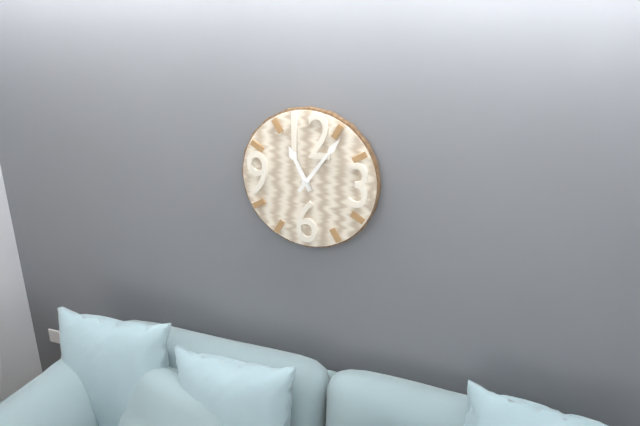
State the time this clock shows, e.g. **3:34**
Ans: **11:06**
